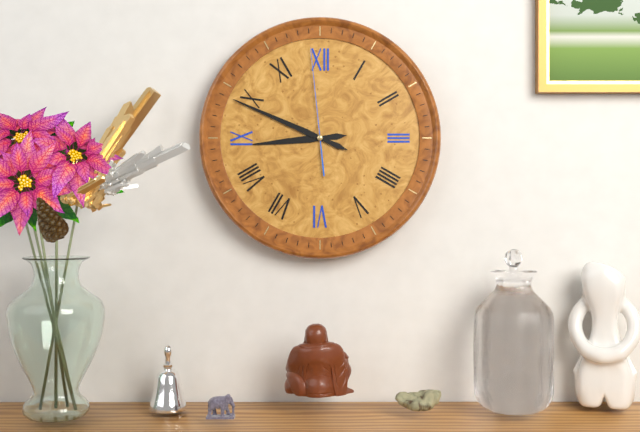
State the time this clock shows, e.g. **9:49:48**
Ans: **8:49:59**
